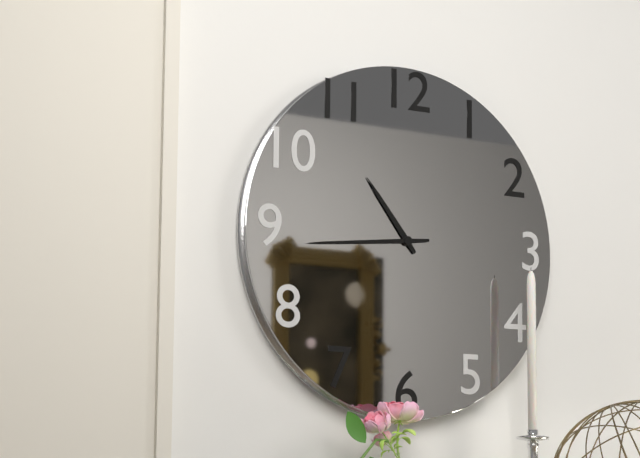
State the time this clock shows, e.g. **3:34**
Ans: **10:44**
